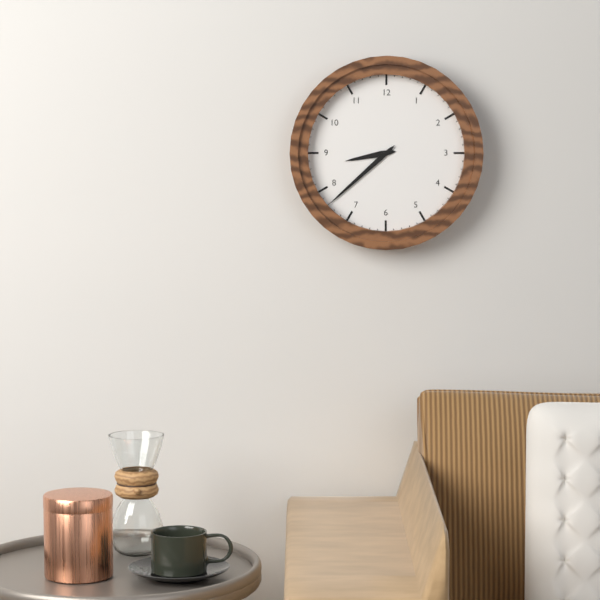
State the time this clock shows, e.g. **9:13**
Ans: **8:38**
